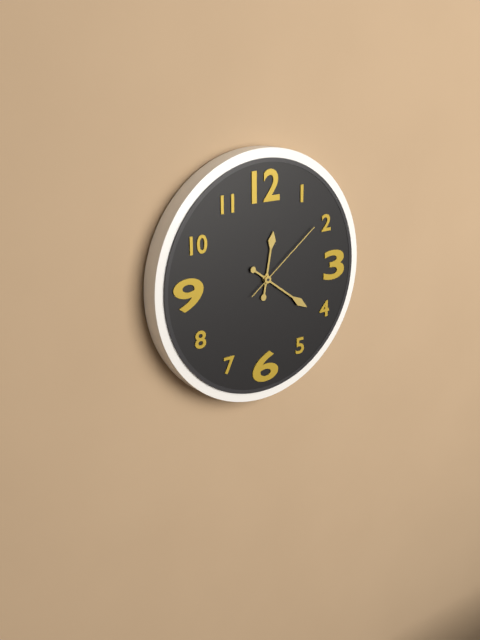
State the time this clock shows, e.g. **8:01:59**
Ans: **12:21:09**
